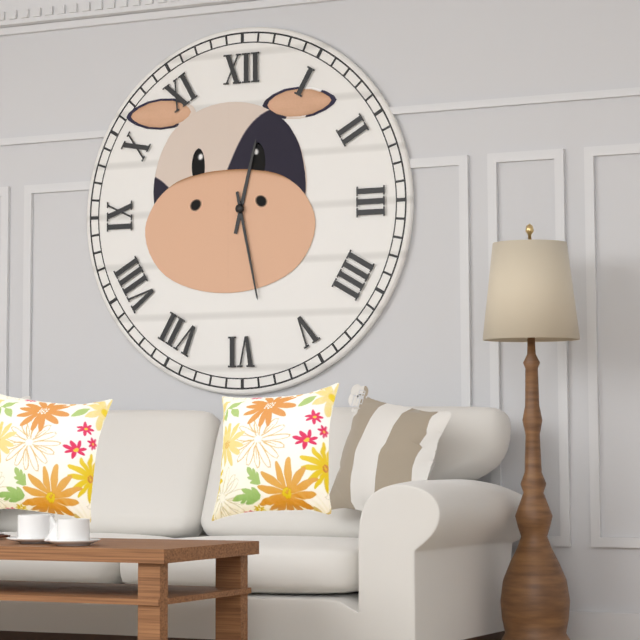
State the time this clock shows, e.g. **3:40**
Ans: **12:28**
